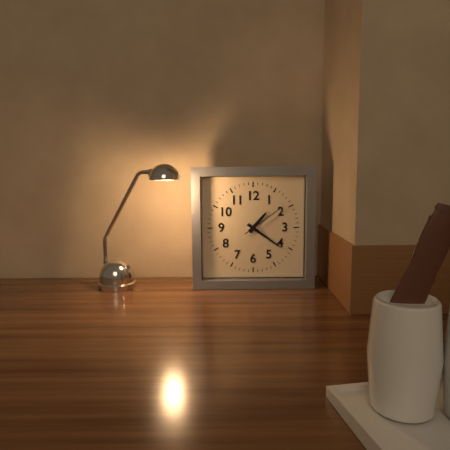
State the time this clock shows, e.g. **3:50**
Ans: **1:21**
